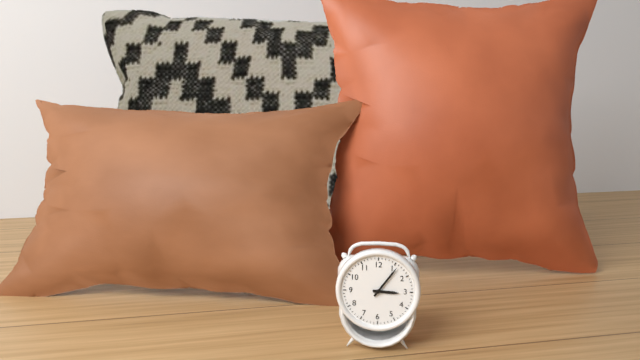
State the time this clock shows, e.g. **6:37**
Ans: **3:06**
